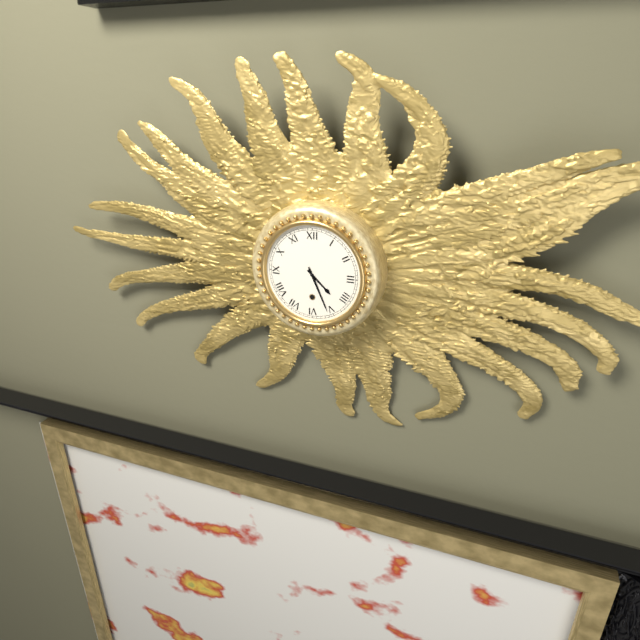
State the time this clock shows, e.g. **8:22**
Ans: **4:26**
